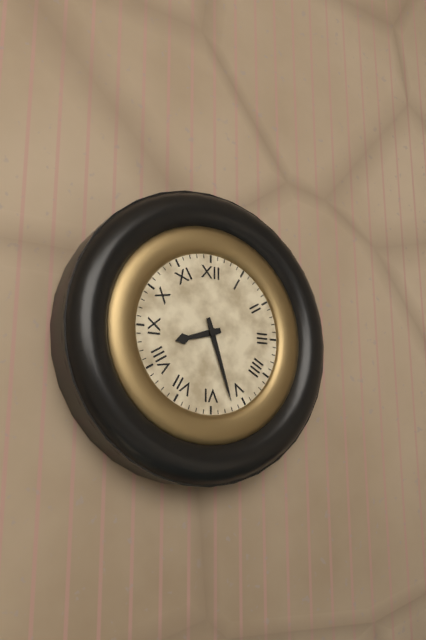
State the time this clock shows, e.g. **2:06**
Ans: **8:27**
